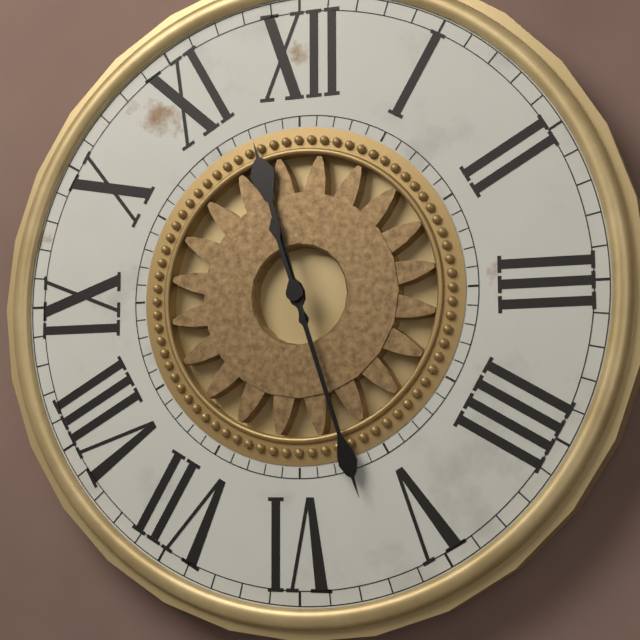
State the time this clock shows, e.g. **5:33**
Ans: **11:27**
